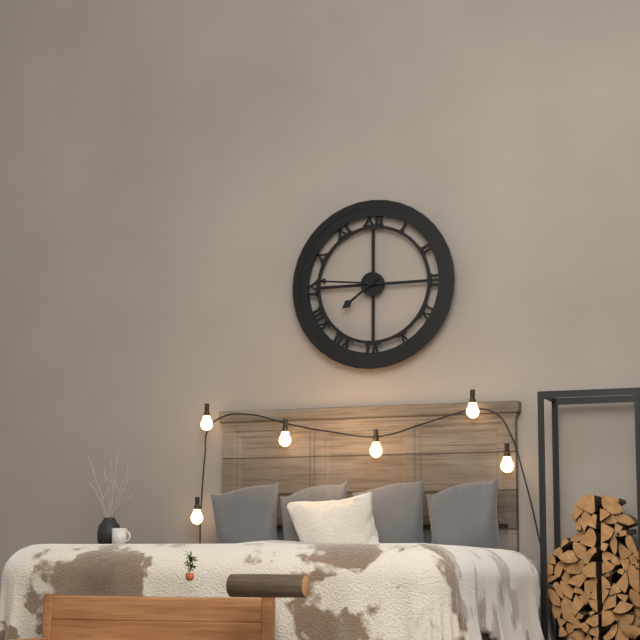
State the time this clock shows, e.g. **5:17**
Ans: **7:46**
